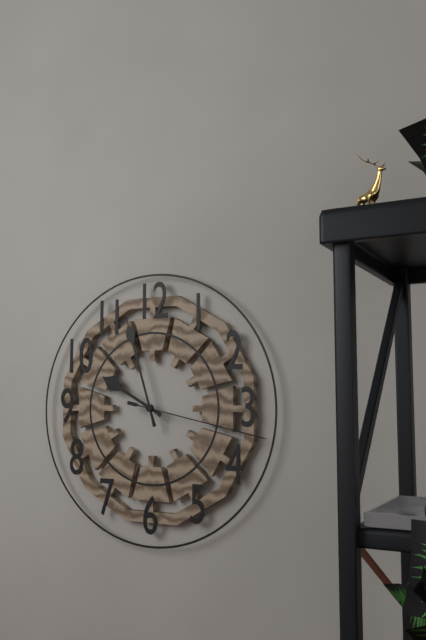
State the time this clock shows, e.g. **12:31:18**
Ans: **9:57:17**
